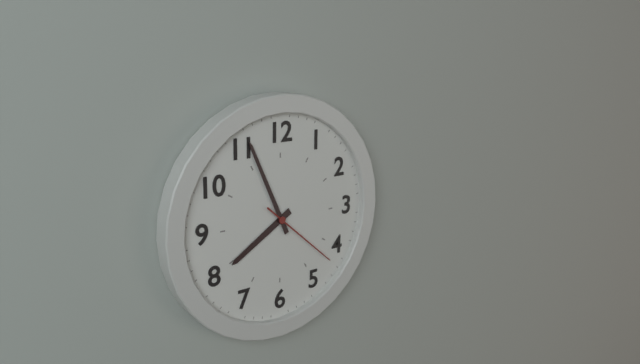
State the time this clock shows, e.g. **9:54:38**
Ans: **7:56:22**
